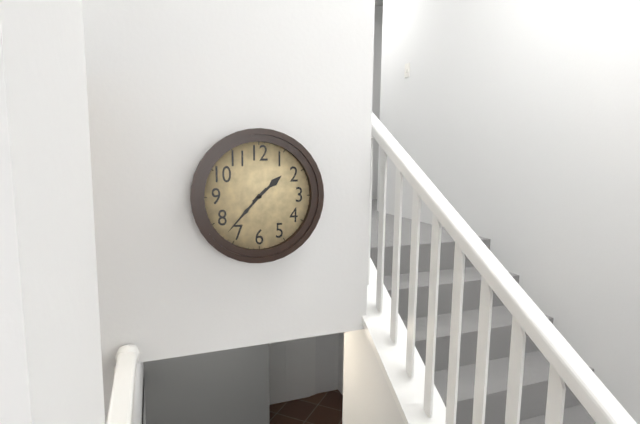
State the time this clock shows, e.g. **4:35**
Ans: **1:37**
